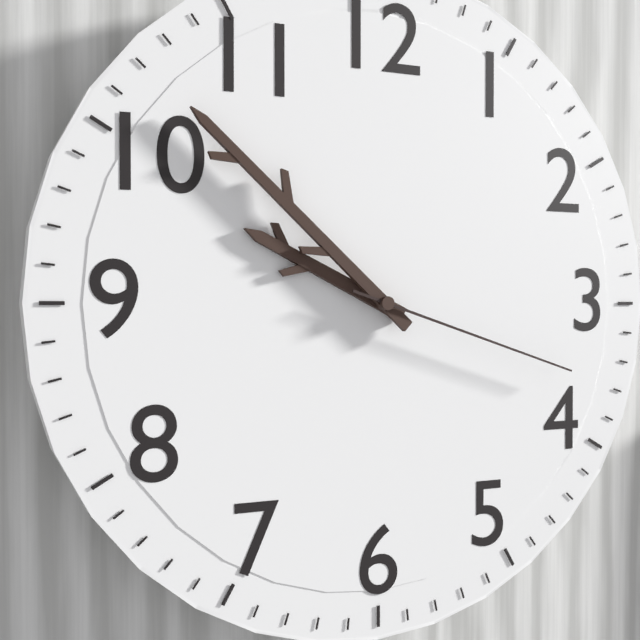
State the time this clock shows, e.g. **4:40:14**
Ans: **9:52:18**
